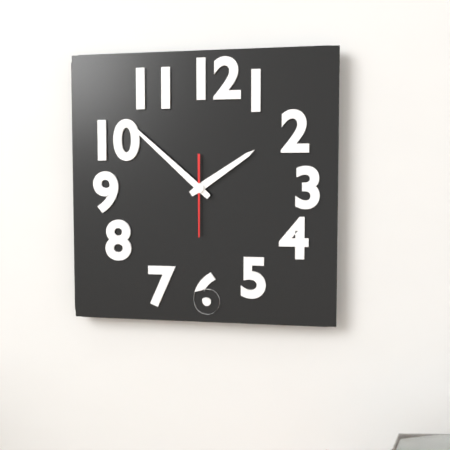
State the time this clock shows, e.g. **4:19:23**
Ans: **1:52:30**
